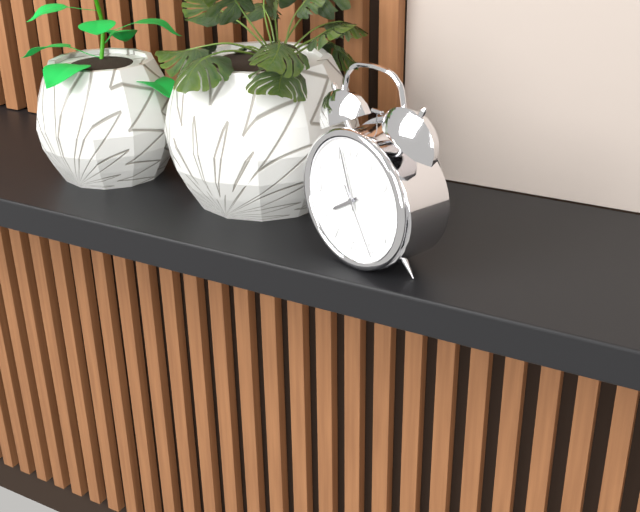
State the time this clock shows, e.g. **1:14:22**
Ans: **7:57:25**
